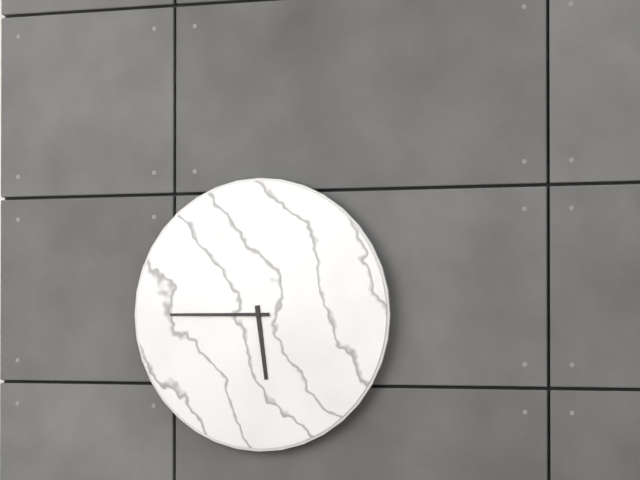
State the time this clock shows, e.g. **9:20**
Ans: **5:45**
